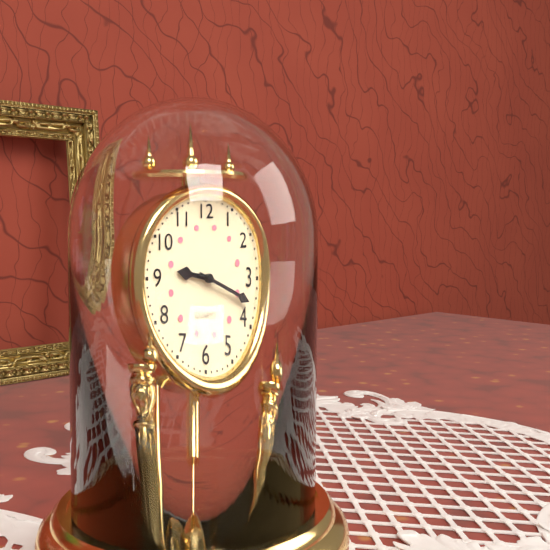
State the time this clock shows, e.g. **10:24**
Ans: **9:18**
